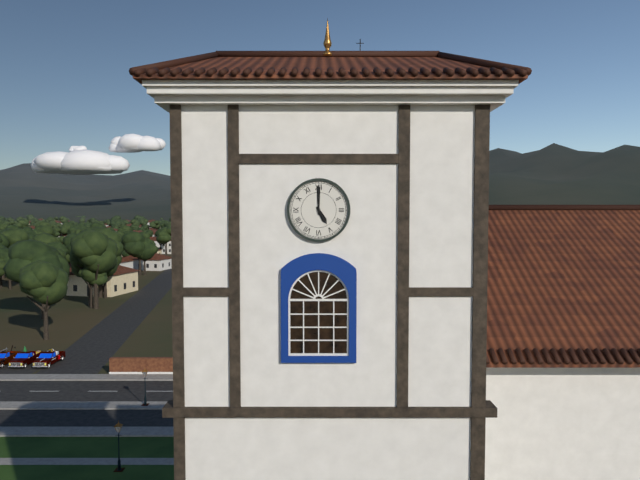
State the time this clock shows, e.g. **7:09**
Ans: **5:00**
